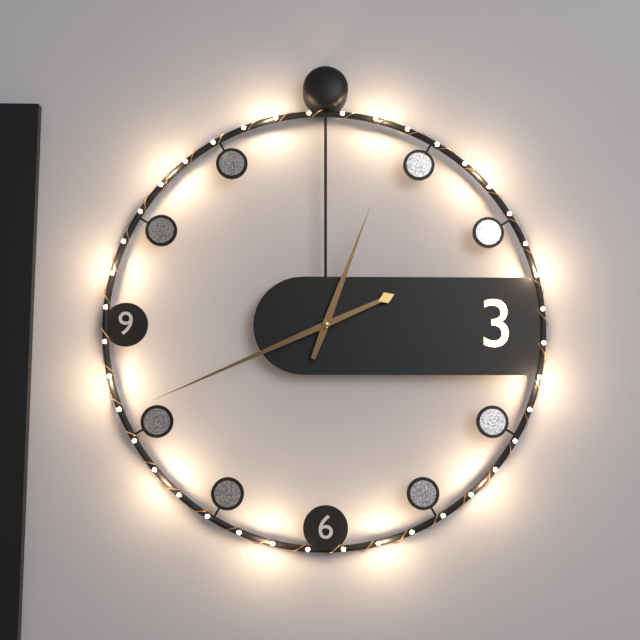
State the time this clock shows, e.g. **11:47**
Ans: **12:41**
